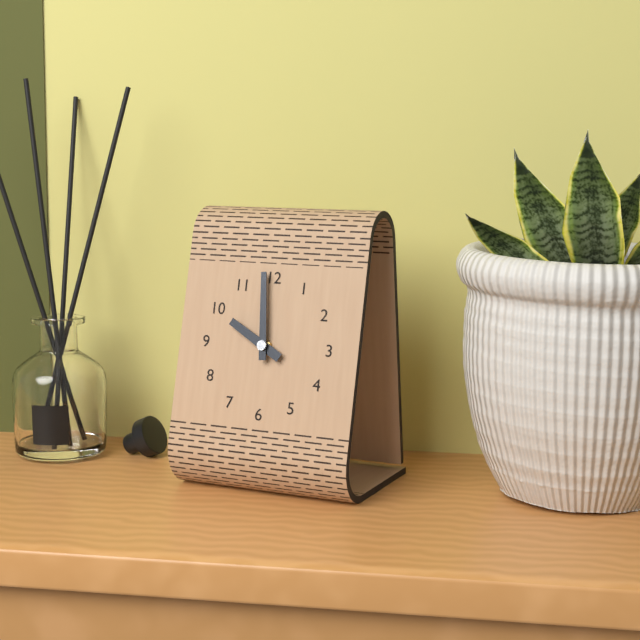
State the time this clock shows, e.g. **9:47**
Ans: **9:59**
